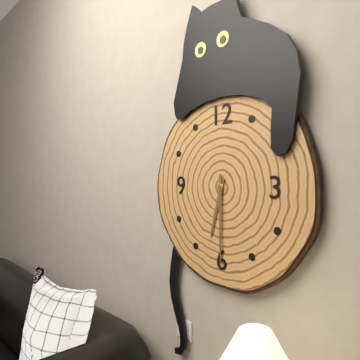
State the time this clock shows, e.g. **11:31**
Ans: **6:30**
